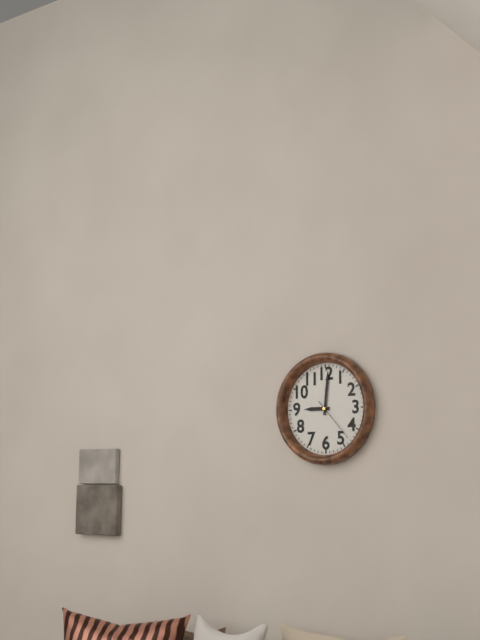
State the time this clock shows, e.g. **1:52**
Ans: **9:01**
